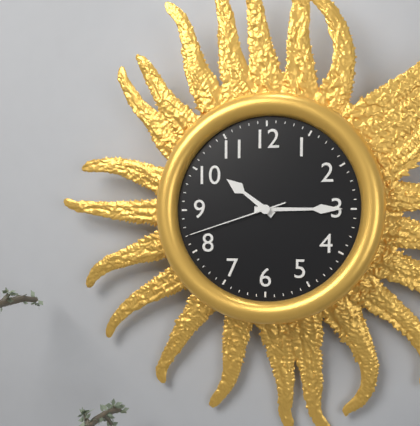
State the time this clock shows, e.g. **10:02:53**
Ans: **10:15:42**
